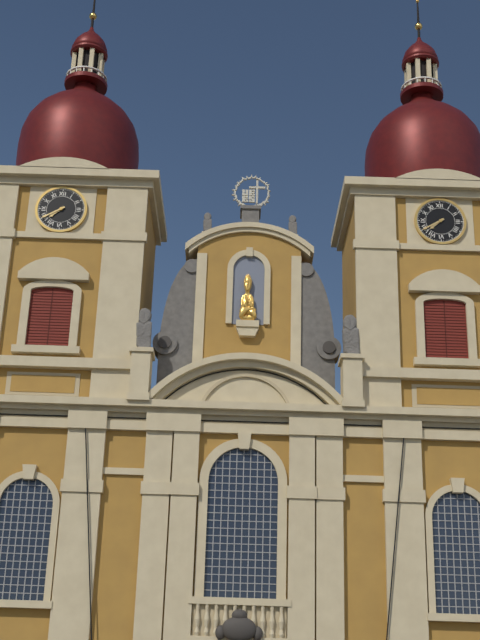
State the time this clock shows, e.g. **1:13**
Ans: **7:40**
